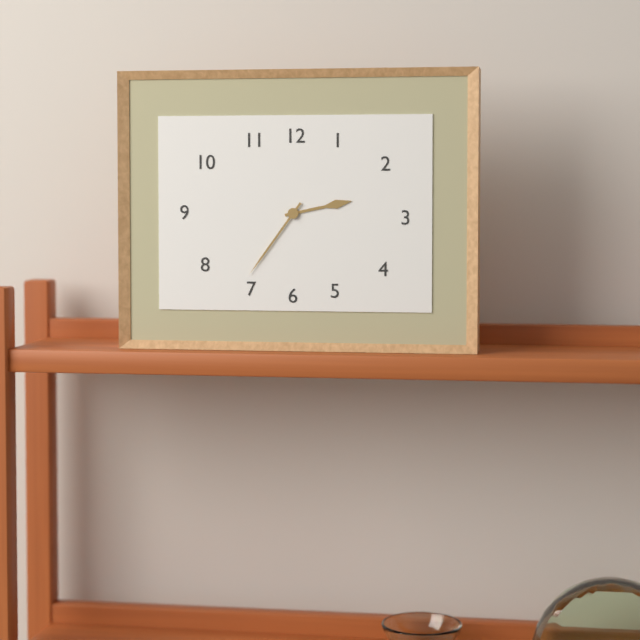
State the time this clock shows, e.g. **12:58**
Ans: **2:36**
